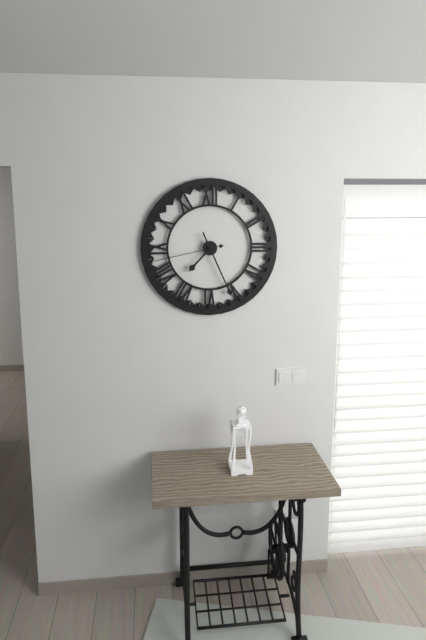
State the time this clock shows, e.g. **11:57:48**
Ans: **7:26:43**
